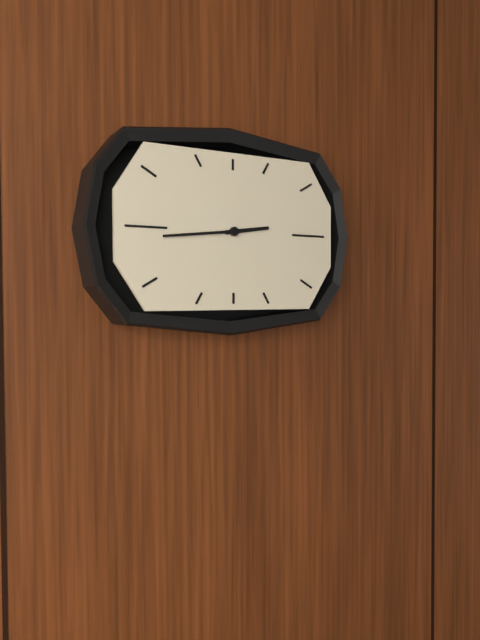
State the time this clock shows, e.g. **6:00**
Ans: **2:44**
